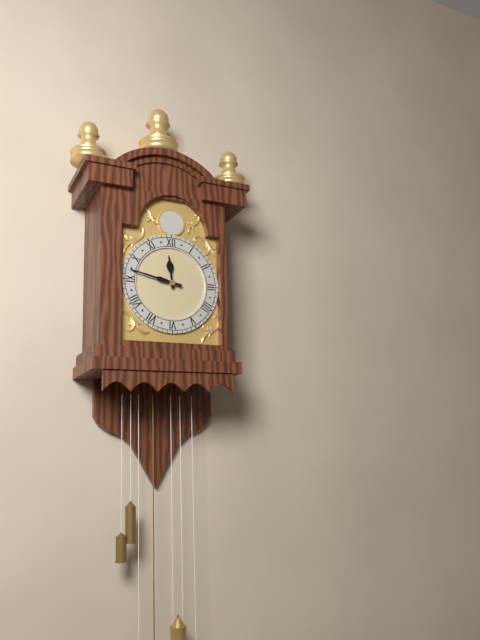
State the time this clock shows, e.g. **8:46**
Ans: **11:47**
